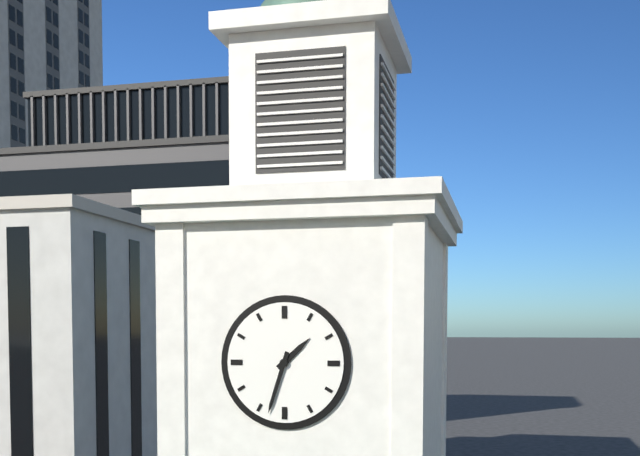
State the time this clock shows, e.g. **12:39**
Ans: **1:33**
